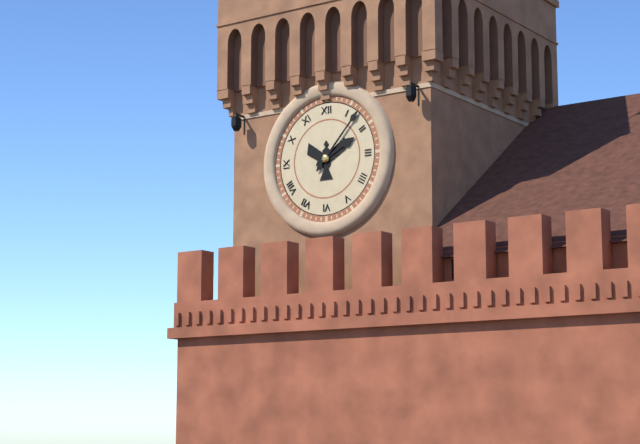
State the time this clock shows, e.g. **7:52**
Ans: **2:07**
